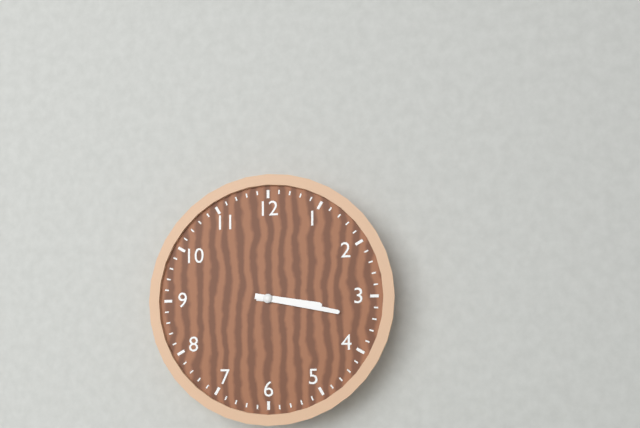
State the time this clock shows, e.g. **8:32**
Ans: **3:17**
